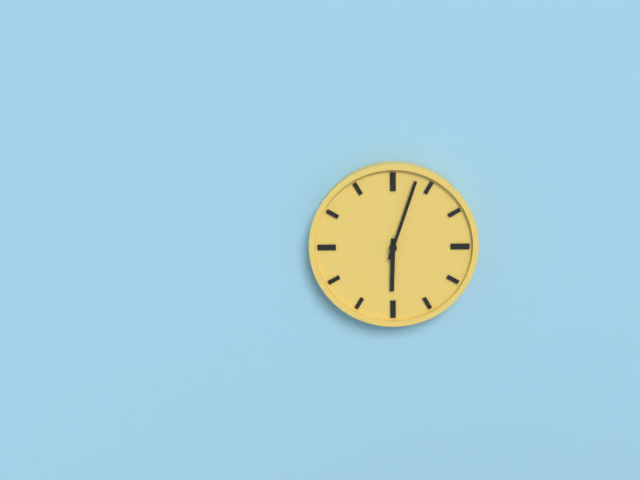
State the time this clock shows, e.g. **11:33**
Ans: **6:03**
